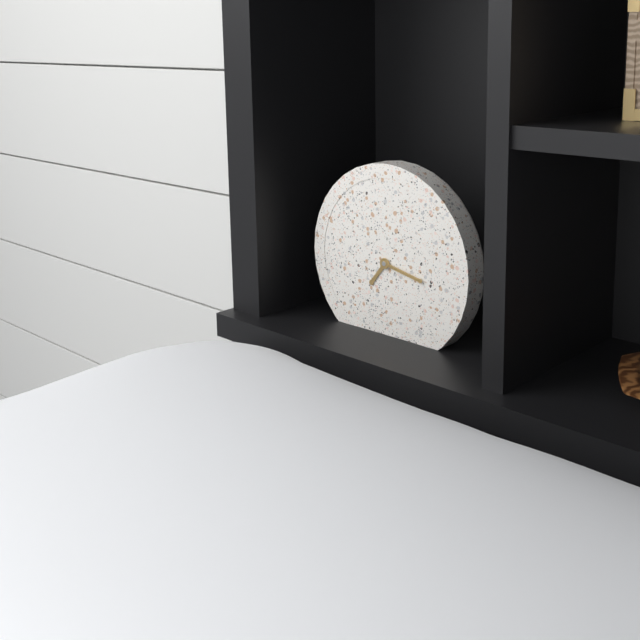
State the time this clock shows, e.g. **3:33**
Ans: **7:17**
